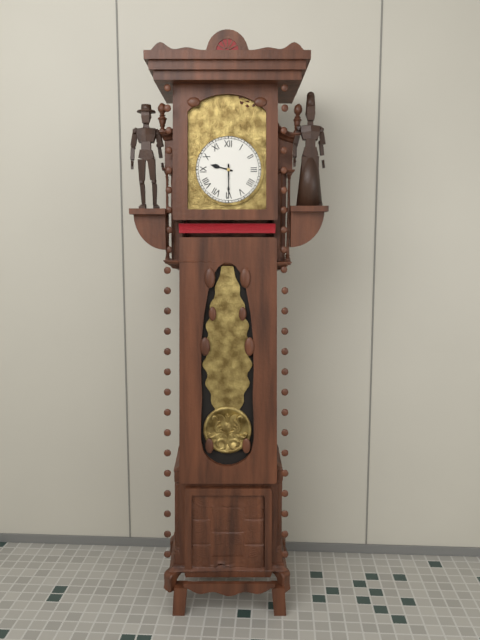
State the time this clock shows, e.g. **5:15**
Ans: **9:30**
